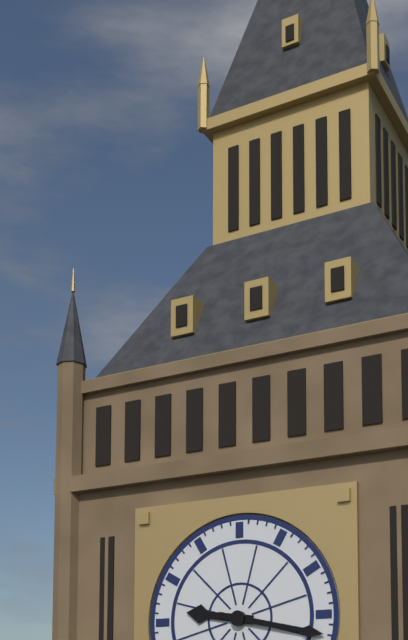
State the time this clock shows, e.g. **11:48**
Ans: **9:17**
